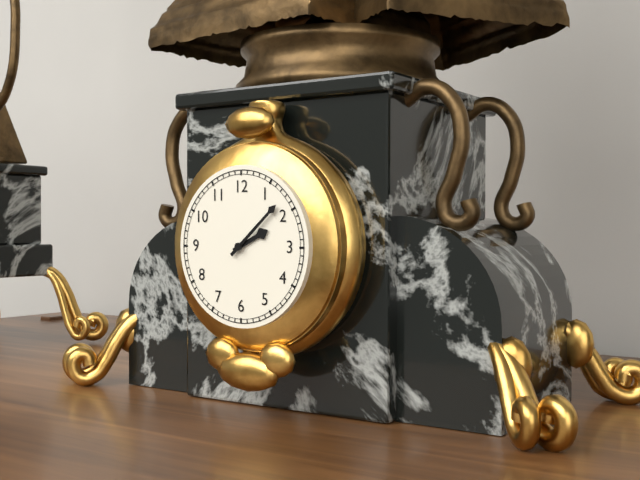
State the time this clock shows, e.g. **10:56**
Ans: **2:08**
